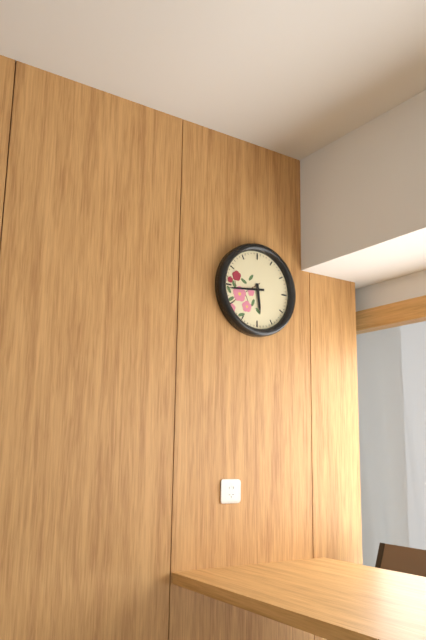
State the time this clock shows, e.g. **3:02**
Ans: **5:44**
